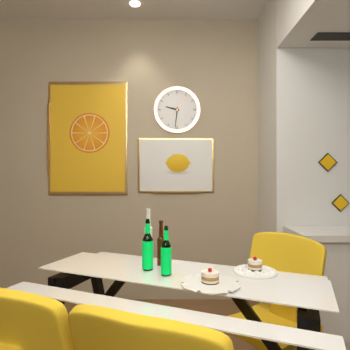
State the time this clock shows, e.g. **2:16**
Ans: **9:31**
